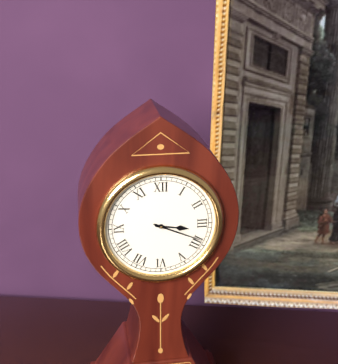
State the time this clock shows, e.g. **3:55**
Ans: **3:19**
